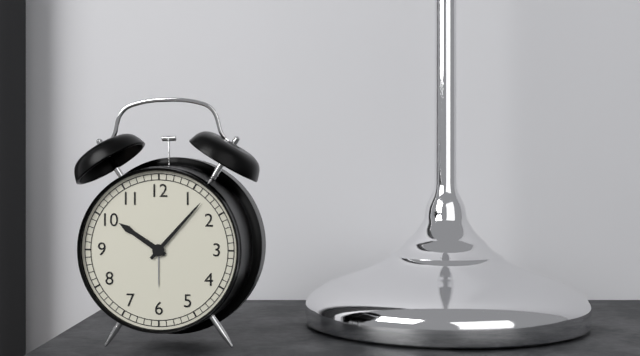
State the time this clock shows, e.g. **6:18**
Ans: **10:07**
